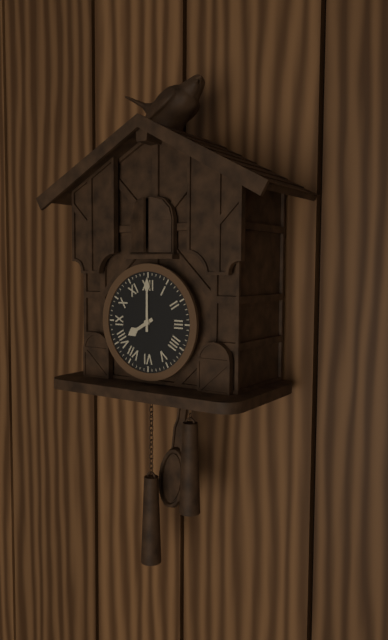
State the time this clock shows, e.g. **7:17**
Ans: **8:00**
